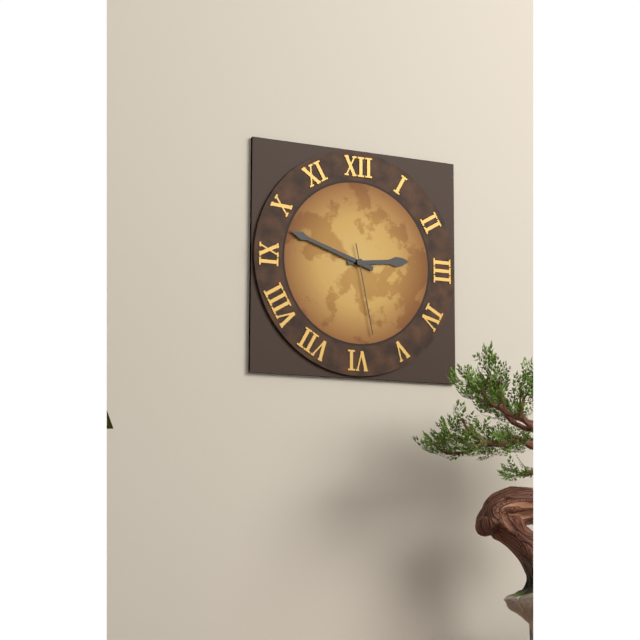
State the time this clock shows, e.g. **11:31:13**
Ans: **2:48:28**
